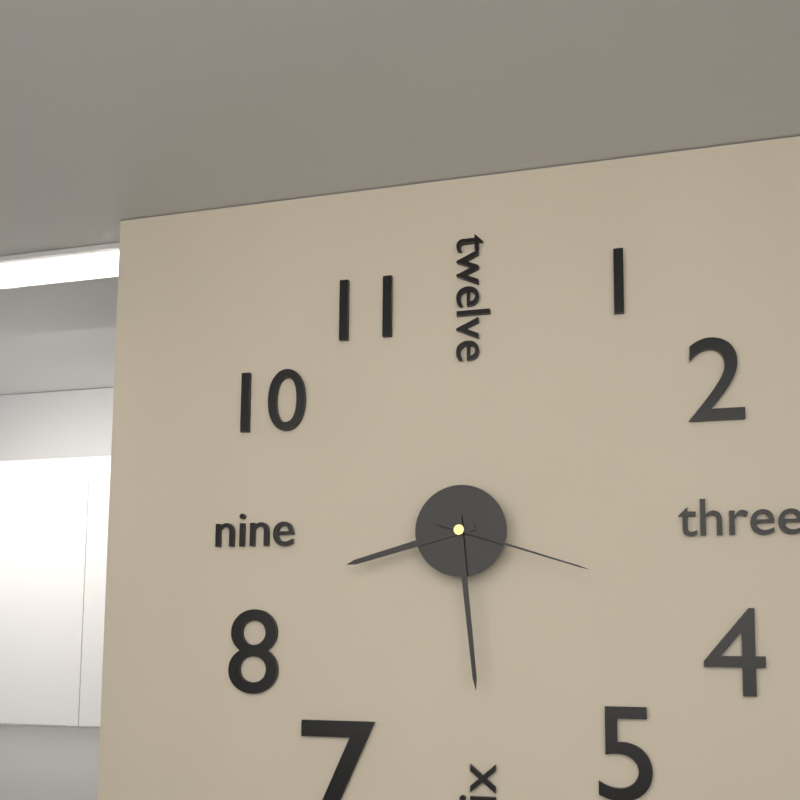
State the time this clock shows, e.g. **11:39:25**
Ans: **8:29:18**
